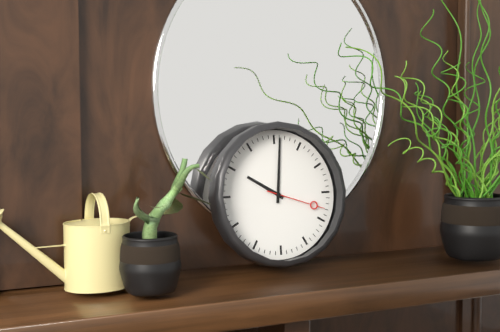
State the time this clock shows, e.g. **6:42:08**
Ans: **10:01:18**
